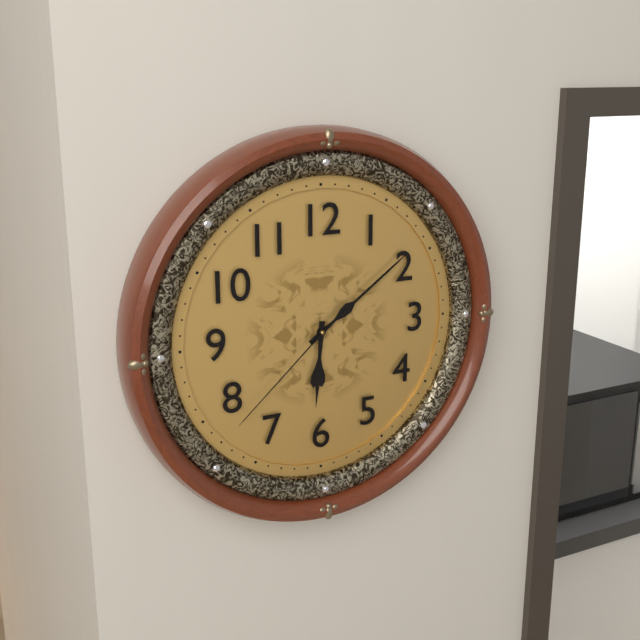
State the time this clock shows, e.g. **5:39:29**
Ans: **6:09:38**
